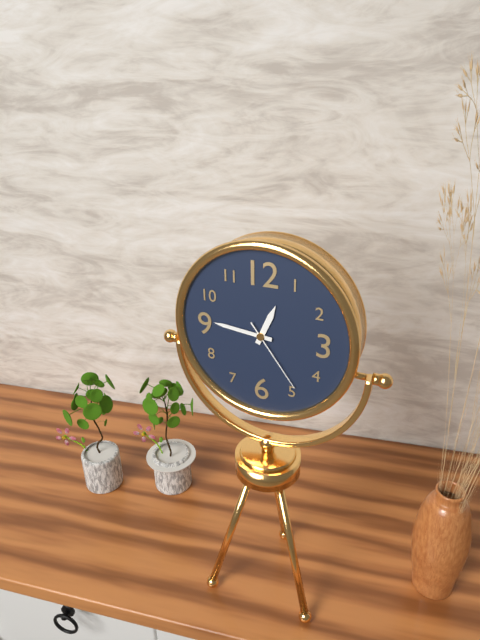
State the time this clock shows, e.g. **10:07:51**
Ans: **12:46:24**
